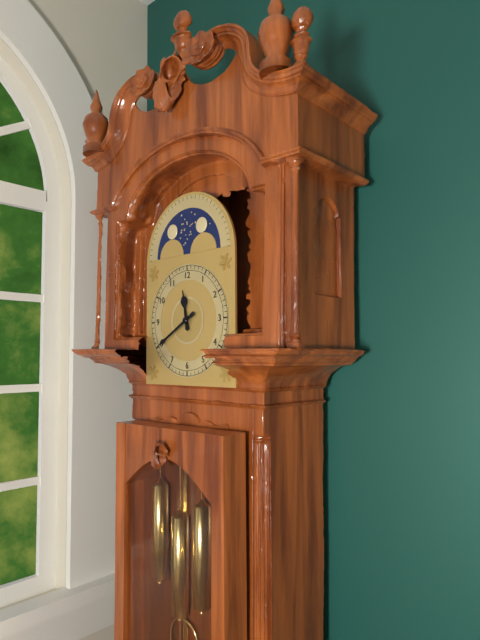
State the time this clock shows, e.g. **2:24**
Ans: **11:40**
